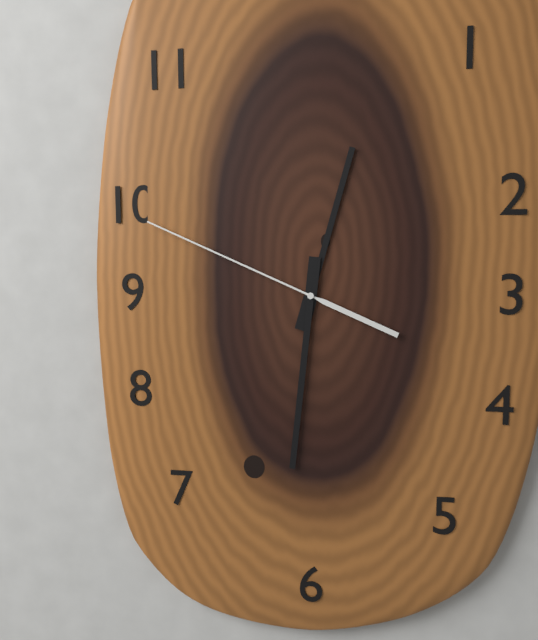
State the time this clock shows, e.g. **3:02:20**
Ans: **12:31:49**
